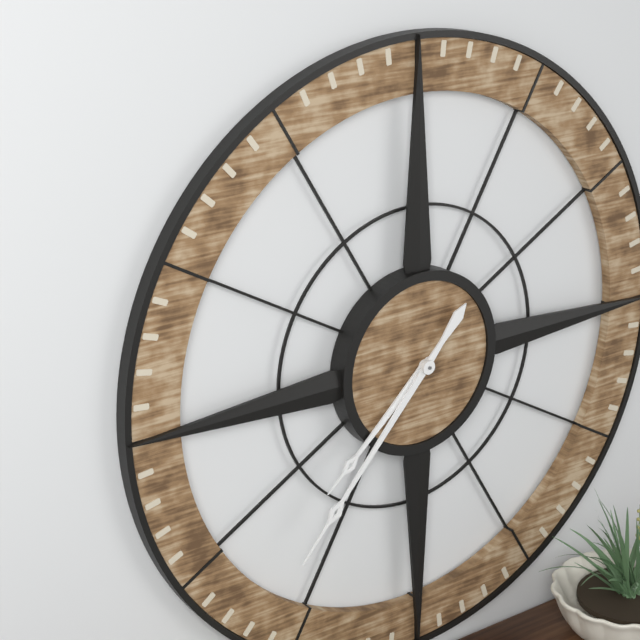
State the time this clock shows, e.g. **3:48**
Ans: **7:37**
